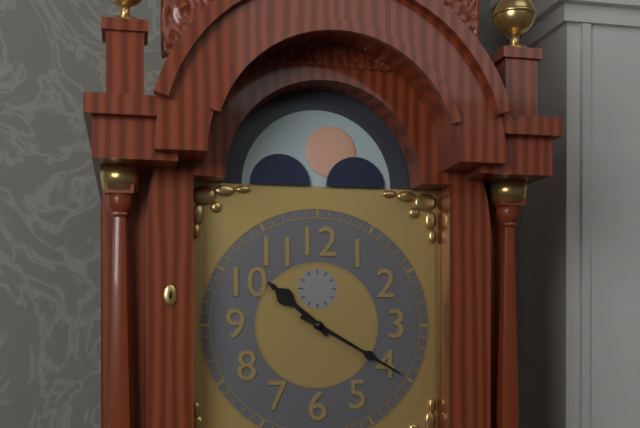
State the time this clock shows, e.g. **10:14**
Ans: **10:20**
